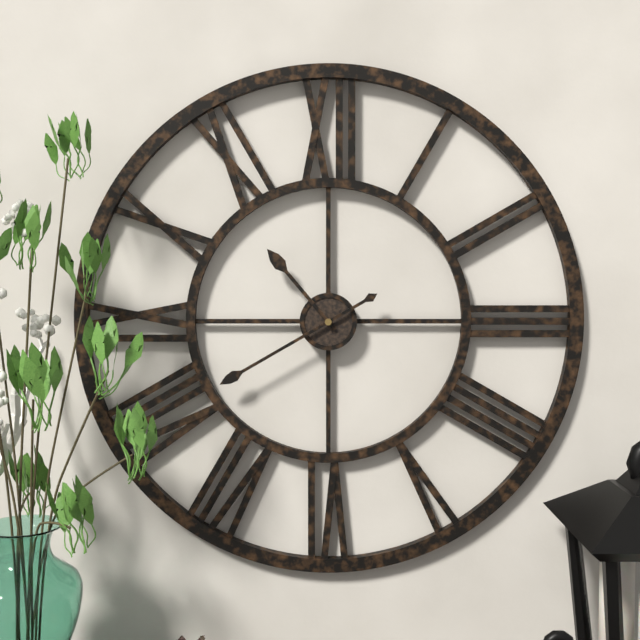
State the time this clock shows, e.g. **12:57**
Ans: **10:40**
